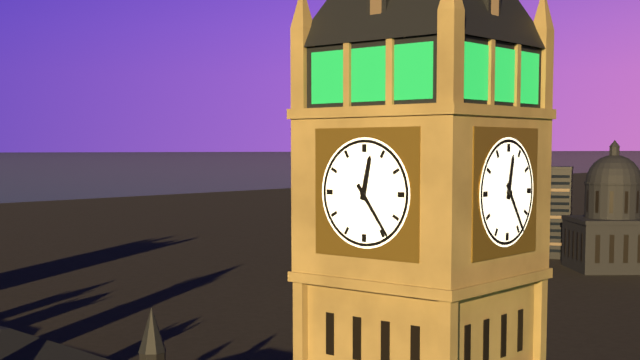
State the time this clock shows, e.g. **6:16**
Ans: **12:24**
